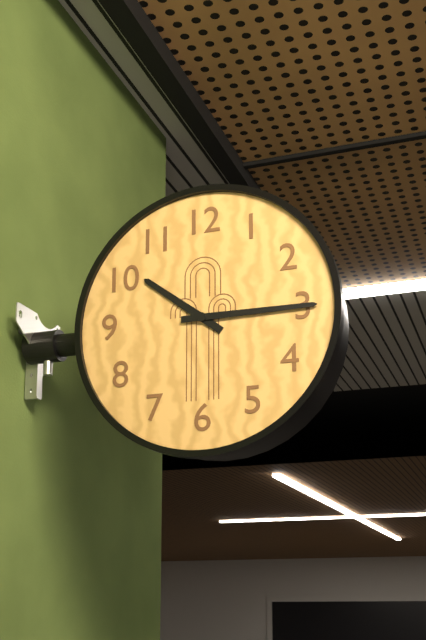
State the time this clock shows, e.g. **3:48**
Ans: **10:15**
